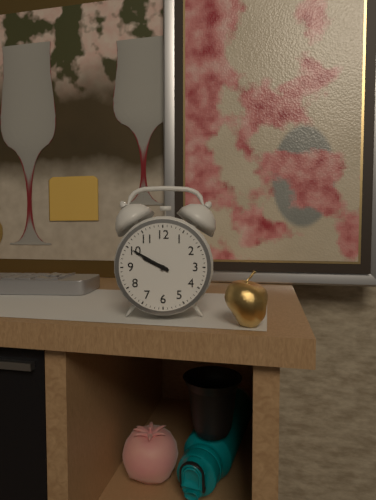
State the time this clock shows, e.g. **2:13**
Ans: **9:50**
